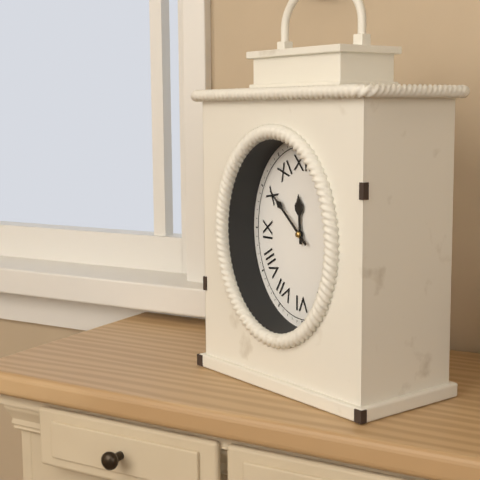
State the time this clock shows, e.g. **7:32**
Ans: **11:52**
